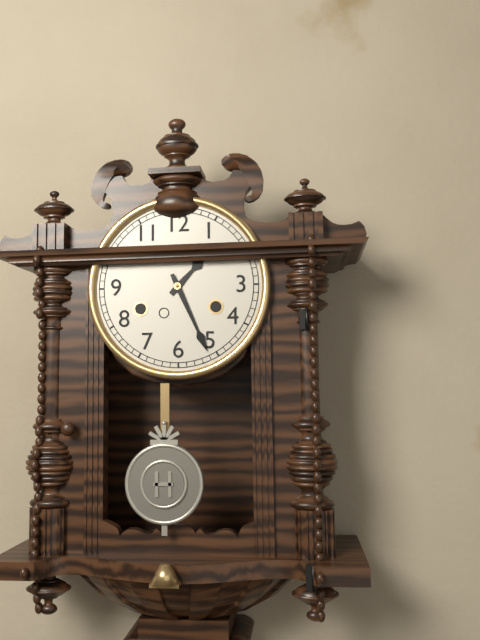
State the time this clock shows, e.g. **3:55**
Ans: **1:26**
